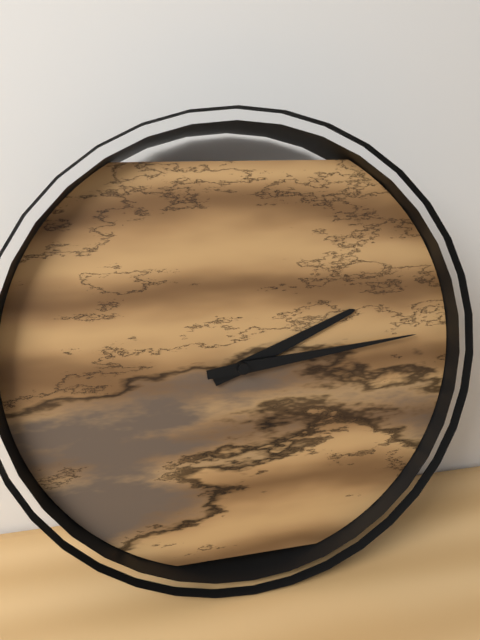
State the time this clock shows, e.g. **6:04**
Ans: **2:14**
